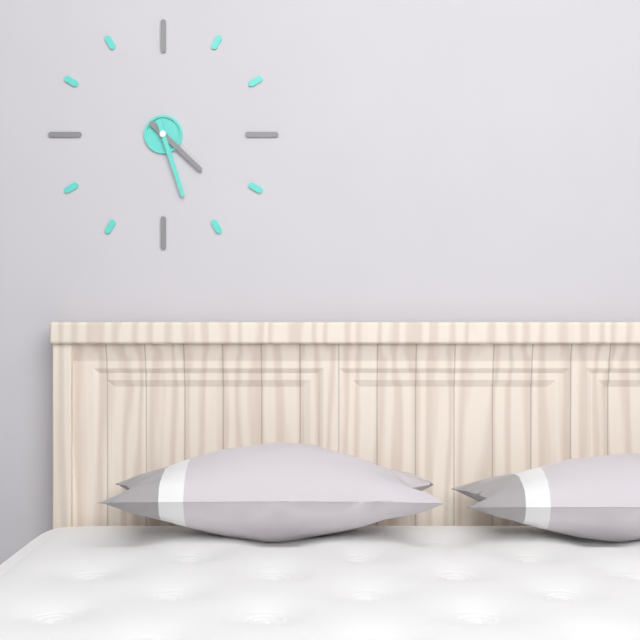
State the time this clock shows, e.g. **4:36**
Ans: **4:27**
